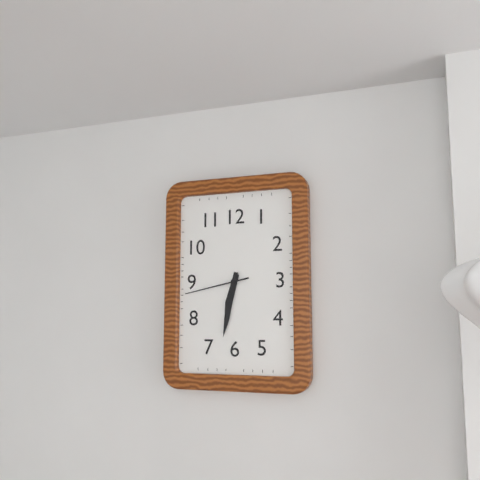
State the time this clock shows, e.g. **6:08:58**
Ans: **6:32:43**
